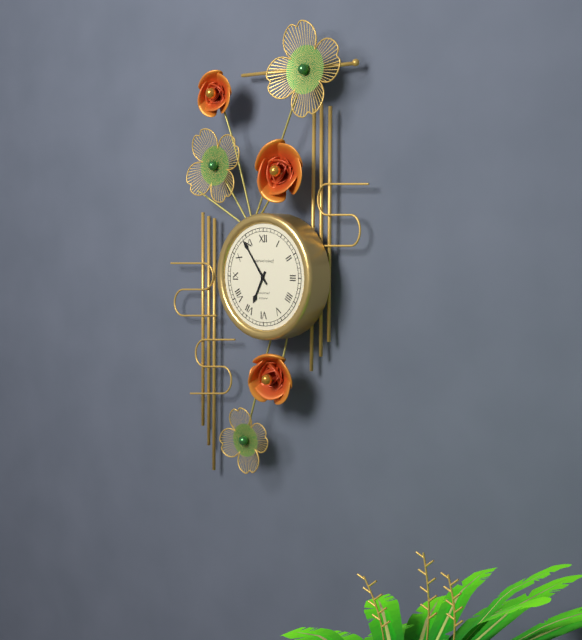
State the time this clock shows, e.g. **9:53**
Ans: **6:54**
